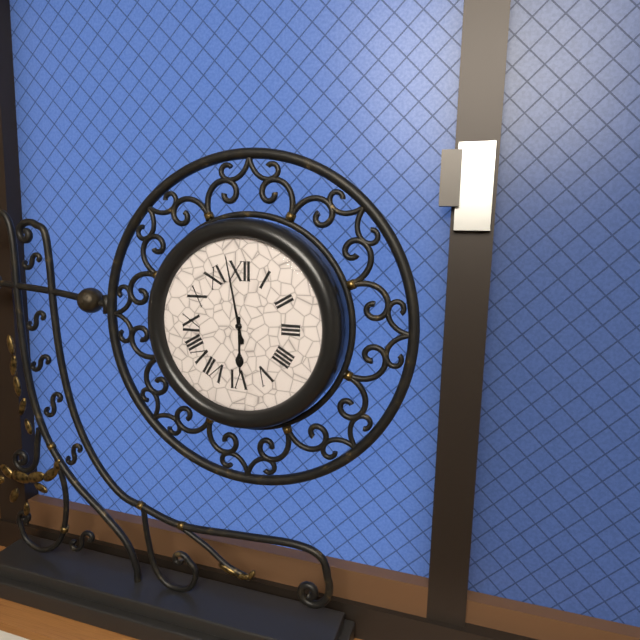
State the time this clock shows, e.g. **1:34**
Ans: **5:58**
